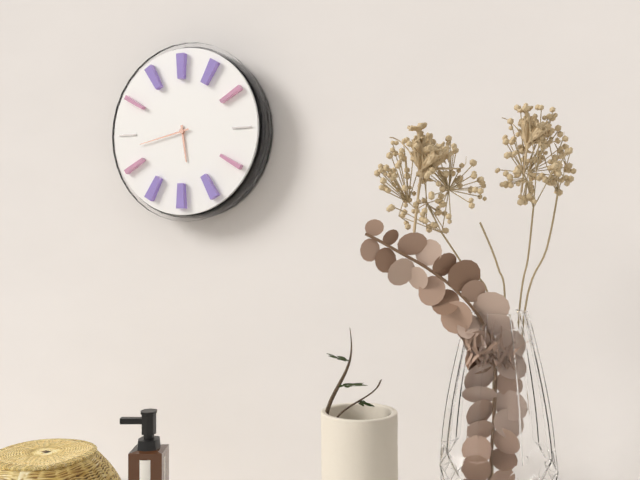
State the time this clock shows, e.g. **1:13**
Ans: **5:43**
